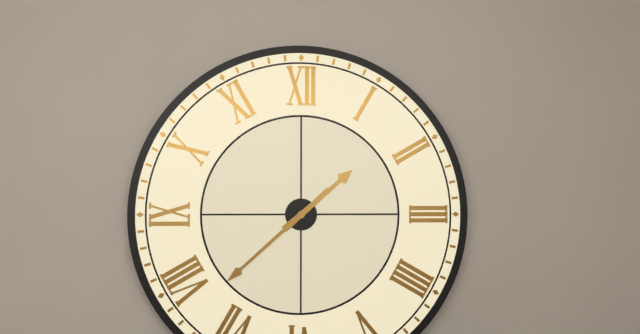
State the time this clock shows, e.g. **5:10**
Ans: **1:38**
